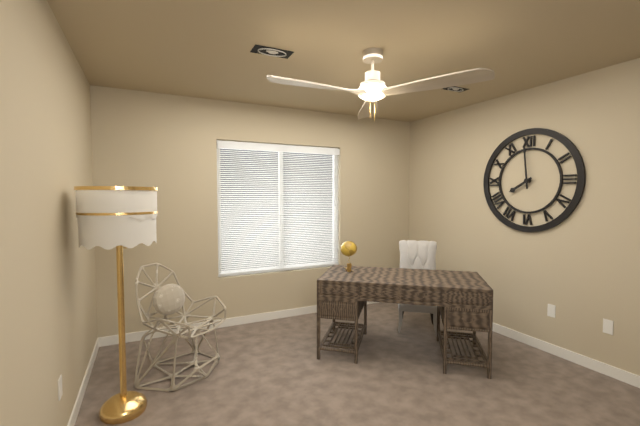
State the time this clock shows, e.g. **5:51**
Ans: **7:59**
